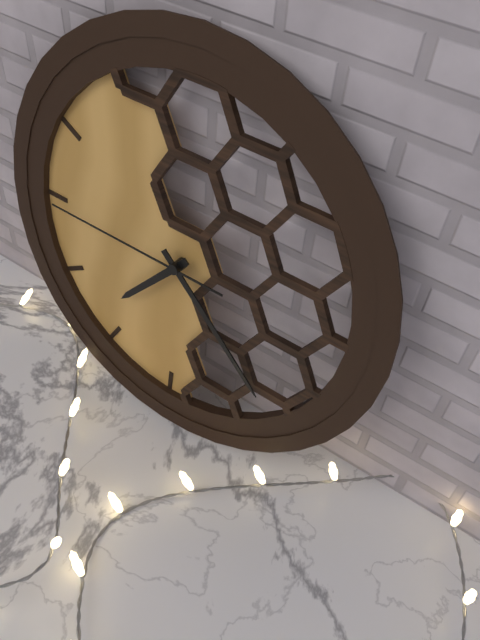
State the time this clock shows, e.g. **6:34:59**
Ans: **7:22:45**
